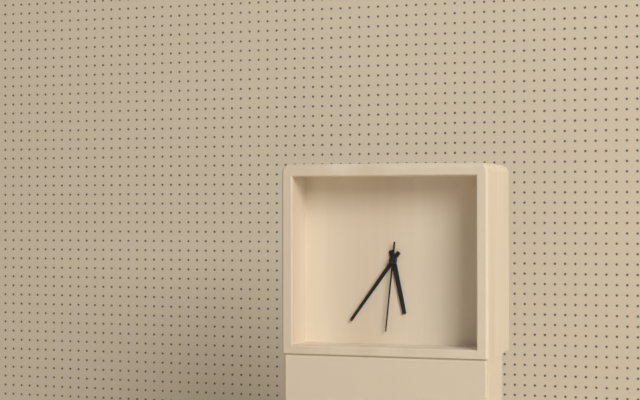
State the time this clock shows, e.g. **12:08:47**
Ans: **5:36:31**
